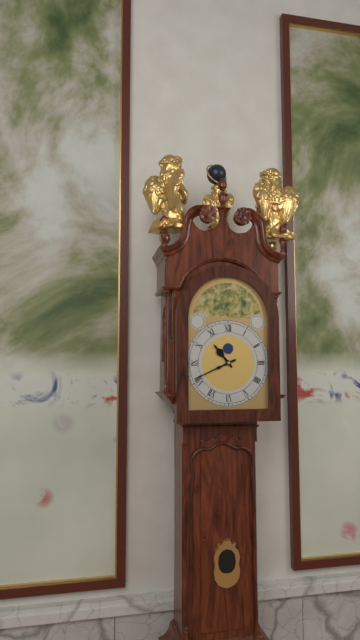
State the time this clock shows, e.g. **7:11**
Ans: **10:41**
